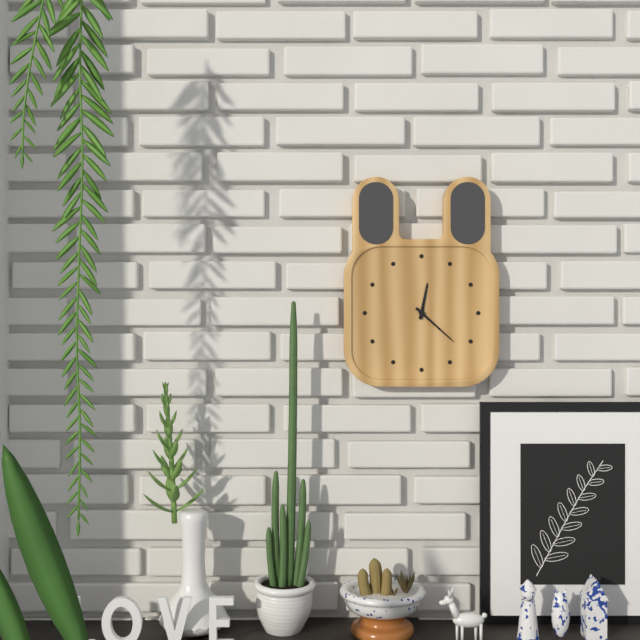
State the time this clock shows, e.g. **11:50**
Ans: **12:22**
